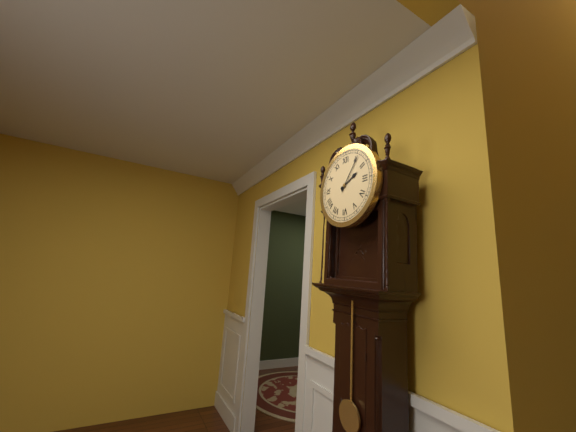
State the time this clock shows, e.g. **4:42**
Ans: **2:06**
